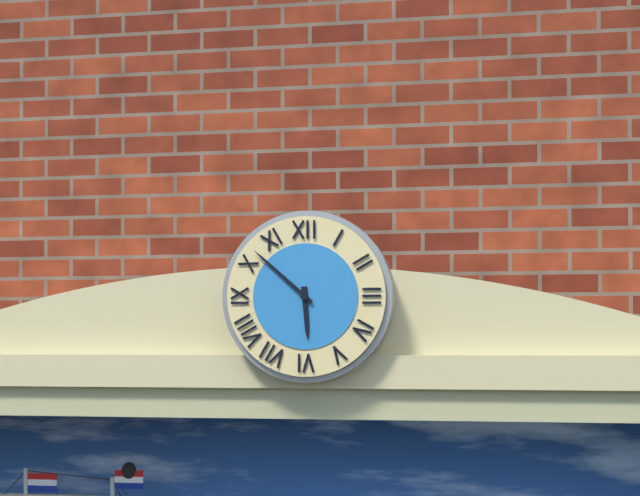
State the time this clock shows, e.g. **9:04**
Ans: **5:52**
